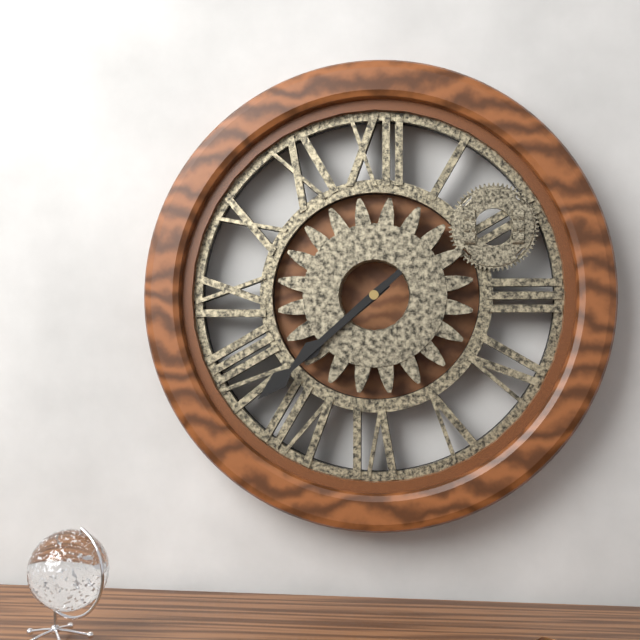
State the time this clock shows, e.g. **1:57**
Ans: **7:38**
